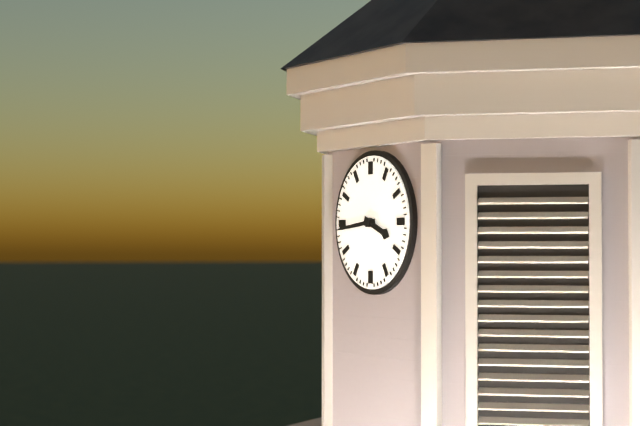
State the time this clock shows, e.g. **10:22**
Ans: **3:44**
